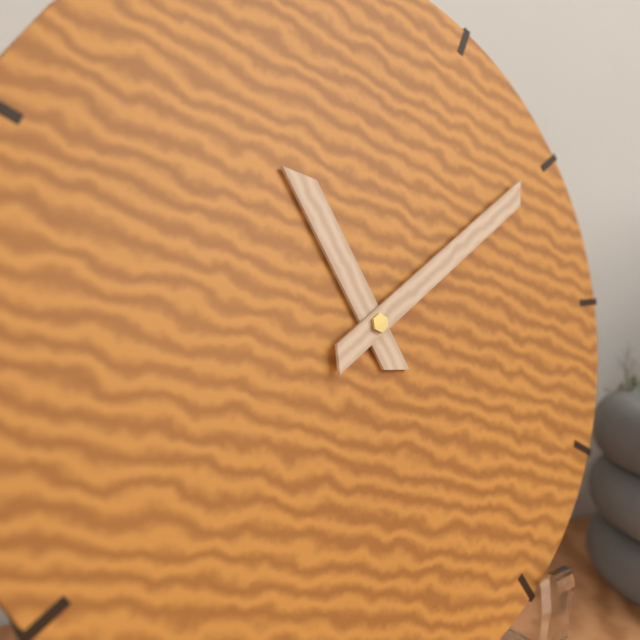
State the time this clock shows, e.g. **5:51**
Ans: **11:10**
